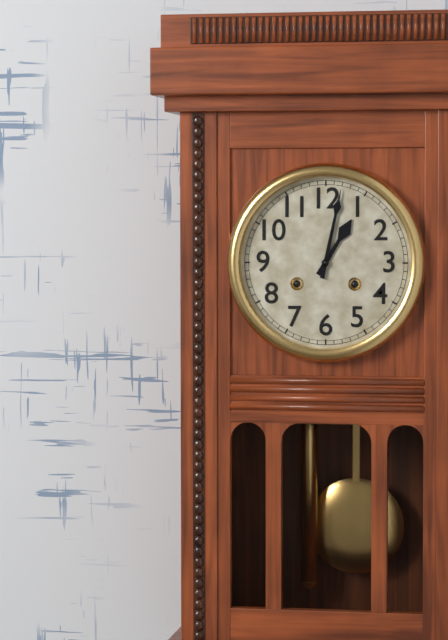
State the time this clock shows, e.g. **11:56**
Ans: **1:02**
